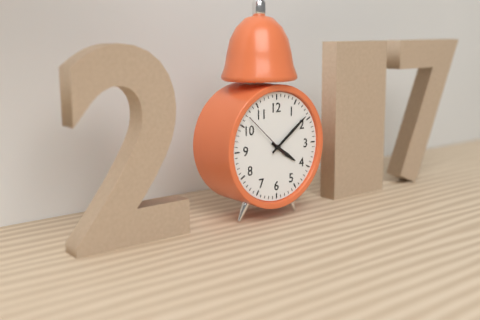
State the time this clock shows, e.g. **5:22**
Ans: **4:09**
